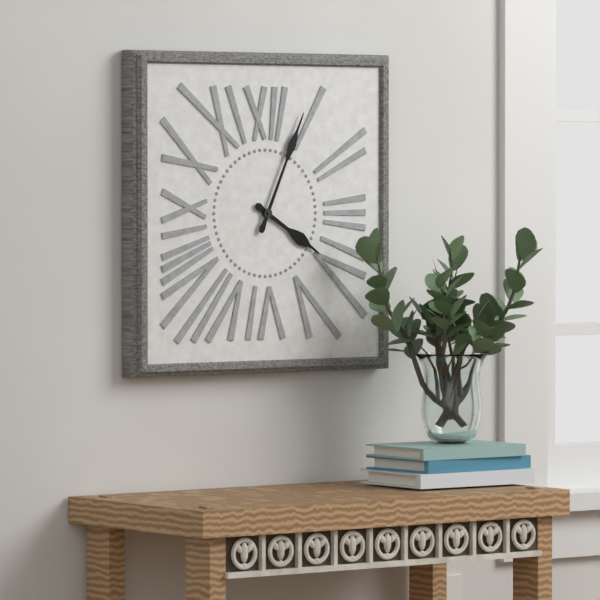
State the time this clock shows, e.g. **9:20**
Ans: **4:04**
